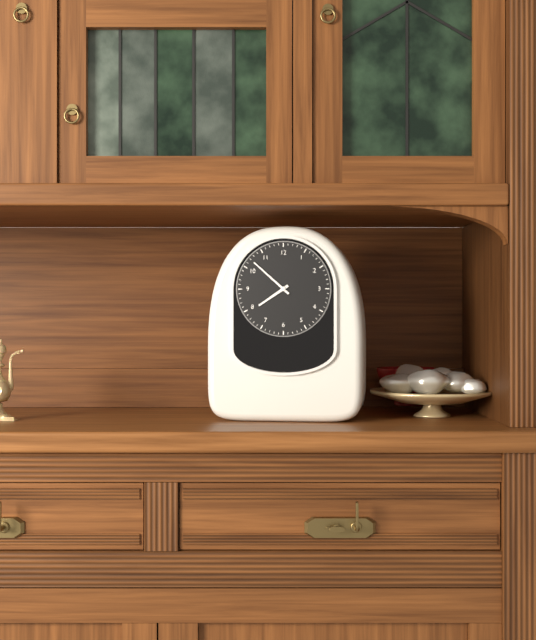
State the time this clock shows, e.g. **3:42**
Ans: **7:52**
